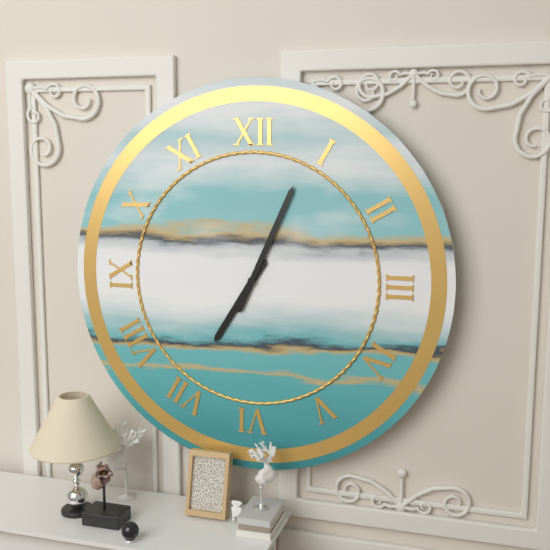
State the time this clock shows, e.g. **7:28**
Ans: **7:04**
